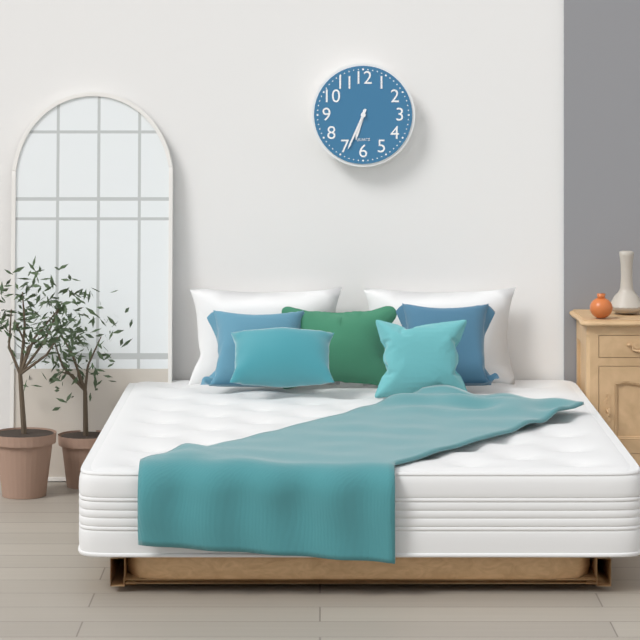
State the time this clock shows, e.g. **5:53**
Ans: **6:34**
